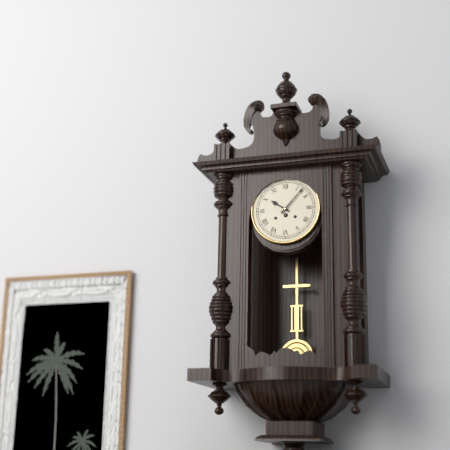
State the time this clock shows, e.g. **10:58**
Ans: **10:07**
